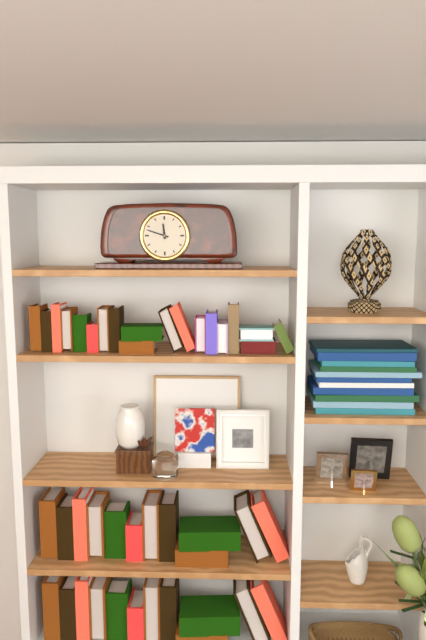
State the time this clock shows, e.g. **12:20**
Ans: **11:48**
